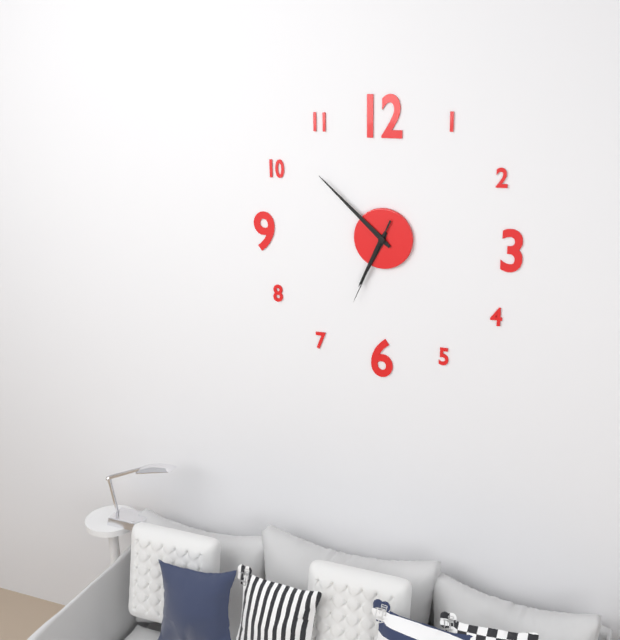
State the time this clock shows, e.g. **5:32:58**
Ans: **6:52:34**
